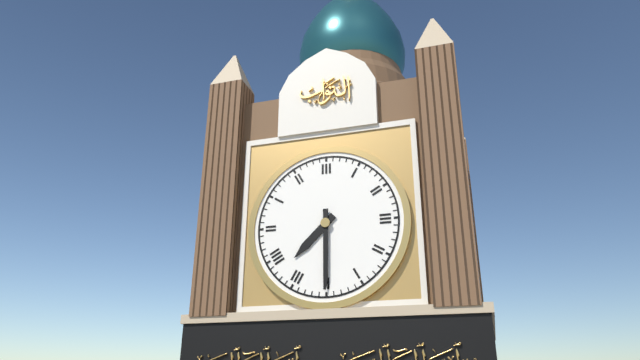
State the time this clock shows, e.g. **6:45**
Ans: **7:30**
